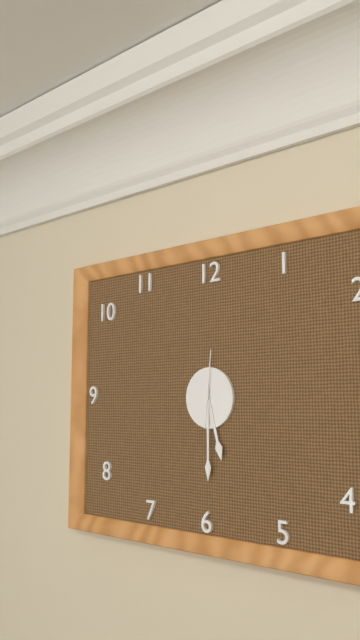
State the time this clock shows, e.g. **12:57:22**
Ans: **5:30:01**
